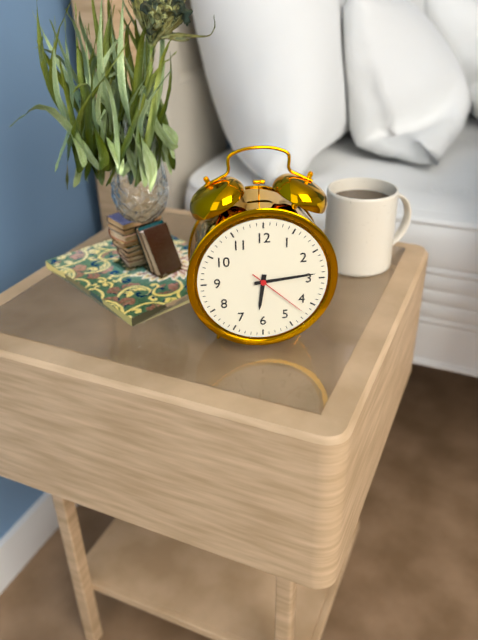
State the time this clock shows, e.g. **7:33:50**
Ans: **6:14:22**
